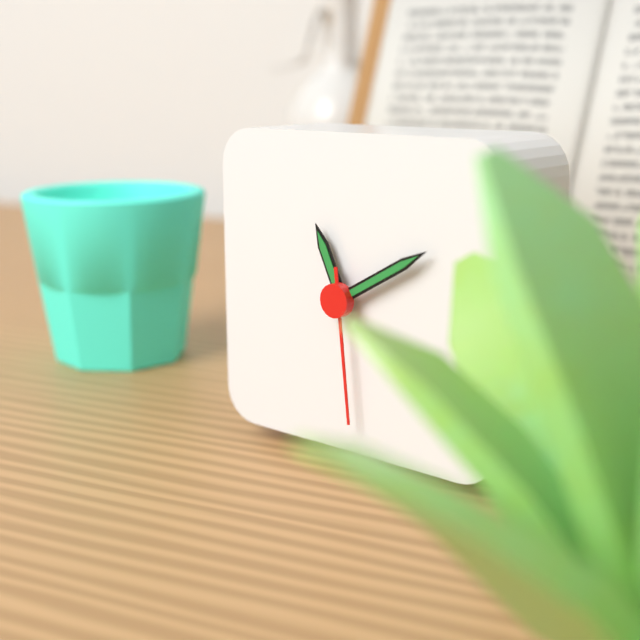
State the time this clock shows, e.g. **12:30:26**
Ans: **11:10:29**
